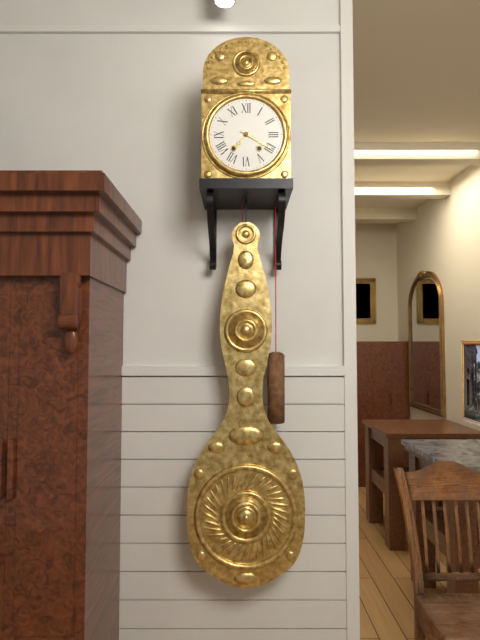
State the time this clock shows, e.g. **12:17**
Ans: **7:20**
